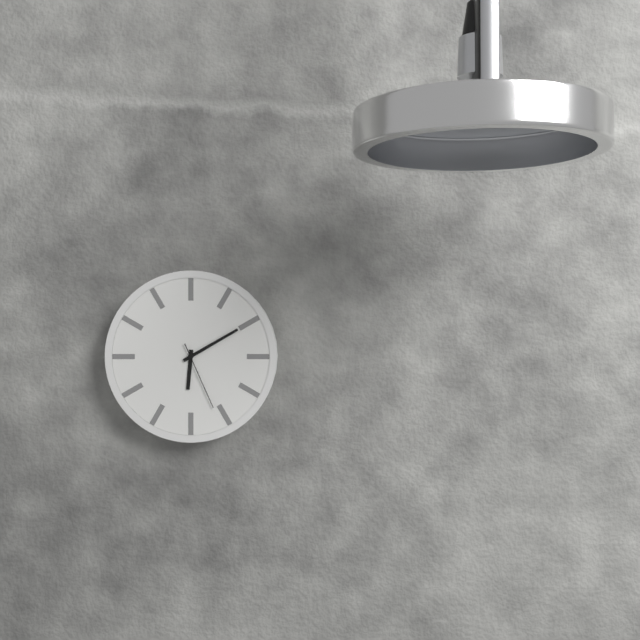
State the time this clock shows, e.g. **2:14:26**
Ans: **6:10:26**
